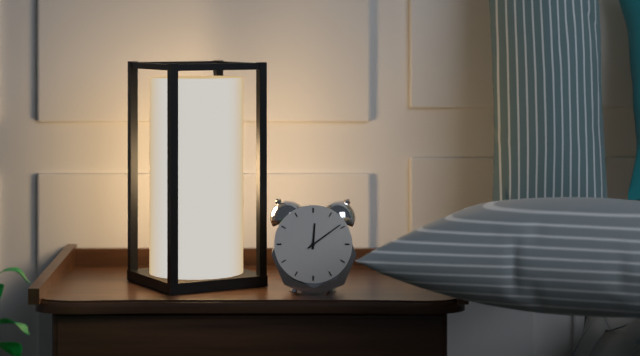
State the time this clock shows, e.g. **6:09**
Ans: **12:09**
